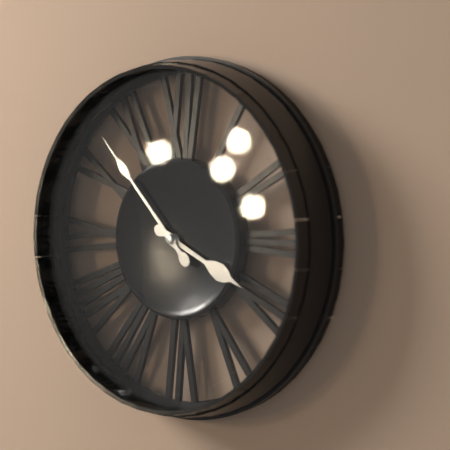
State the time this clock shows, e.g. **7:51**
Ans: **3:53**
